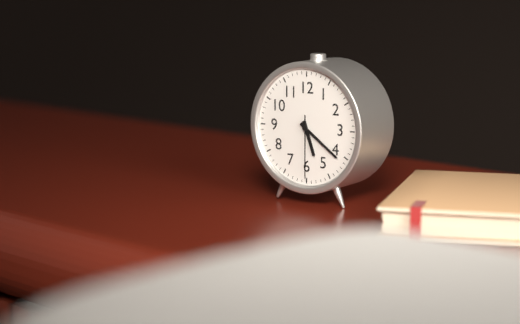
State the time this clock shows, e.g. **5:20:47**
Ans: **5:21:30**
